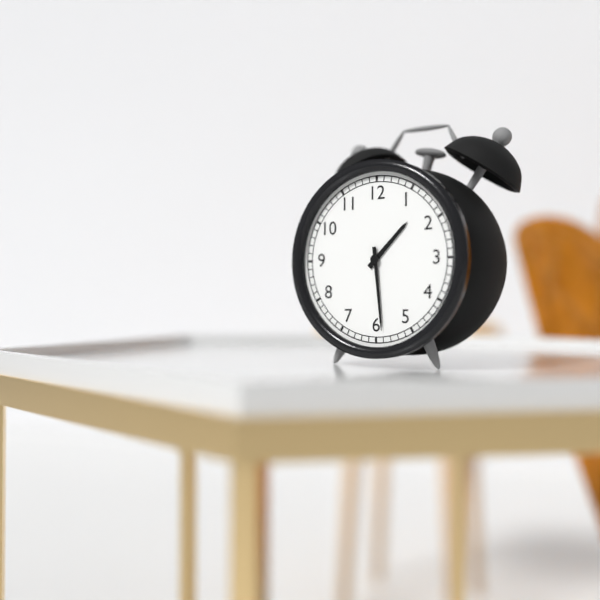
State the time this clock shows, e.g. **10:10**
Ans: **1:29**
